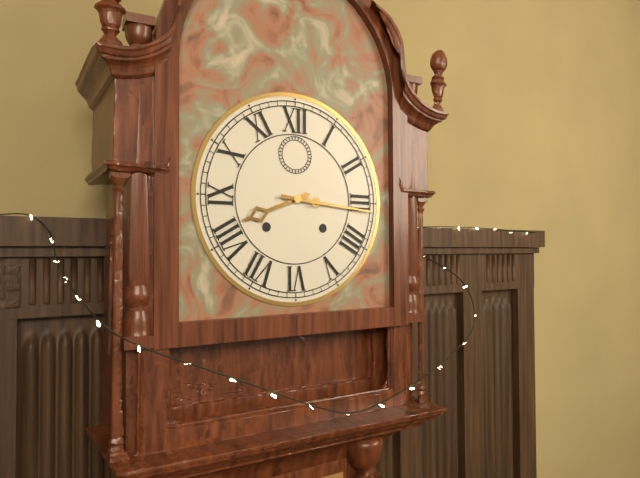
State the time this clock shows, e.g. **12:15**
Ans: **8:16**
